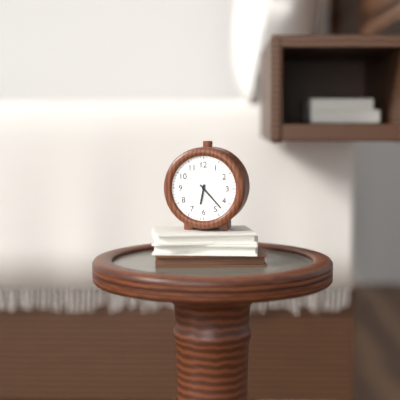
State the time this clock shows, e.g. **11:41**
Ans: **6:23**
